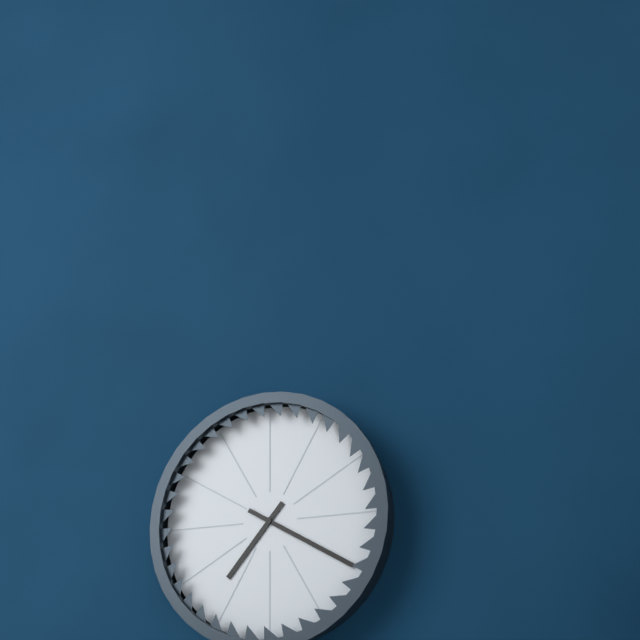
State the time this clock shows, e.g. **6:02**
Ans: **7:20**
